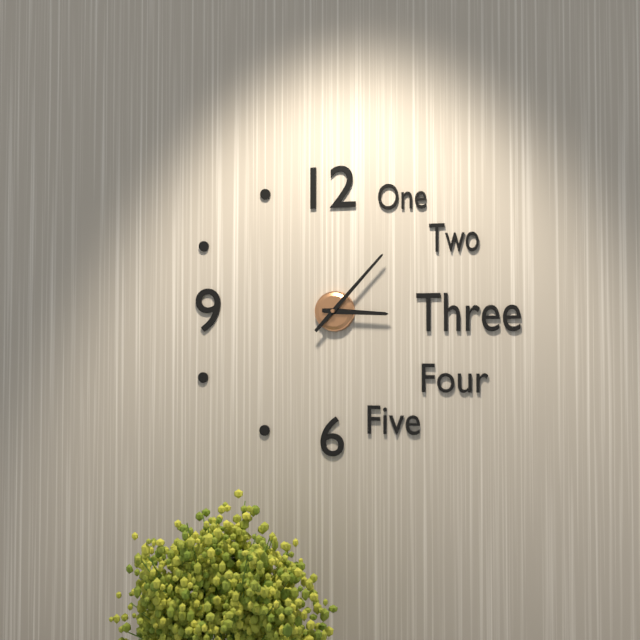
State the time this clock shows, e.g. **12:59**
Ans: **3:07**
